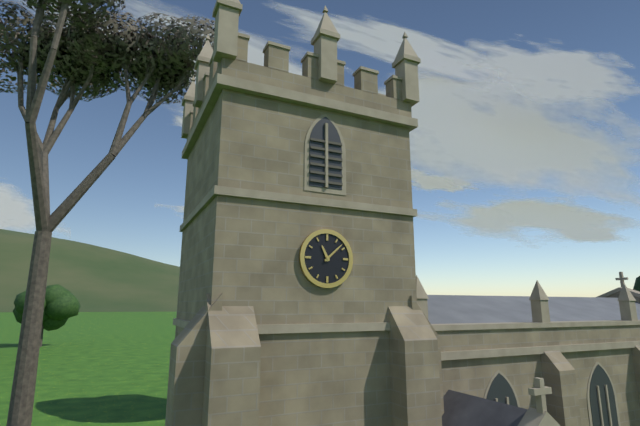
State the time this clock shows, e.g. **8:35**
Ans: **11:08**
